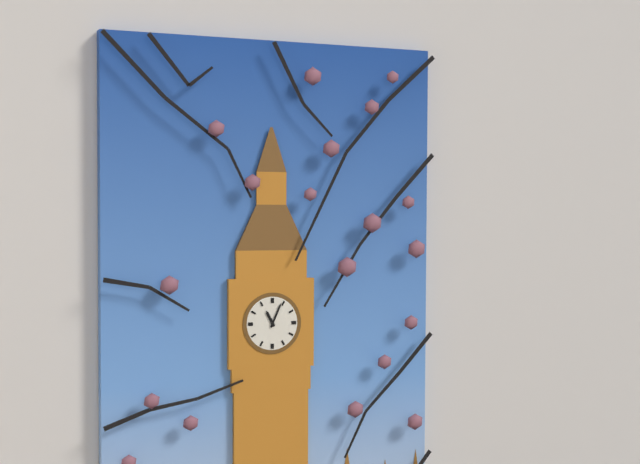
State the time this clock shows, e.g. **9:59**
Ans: **11:04**
